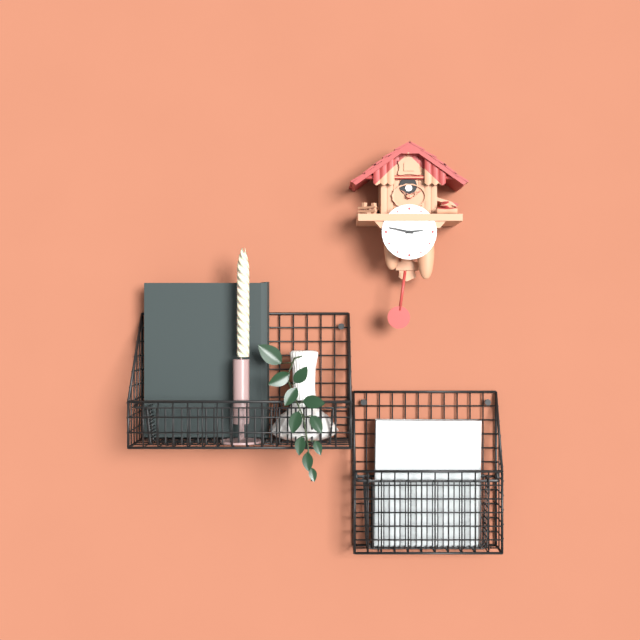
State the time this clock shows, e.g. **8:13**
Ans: **2:47**
